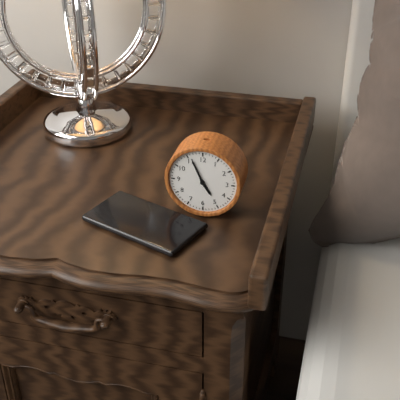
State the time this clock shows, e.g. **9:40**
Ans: **4:56**
